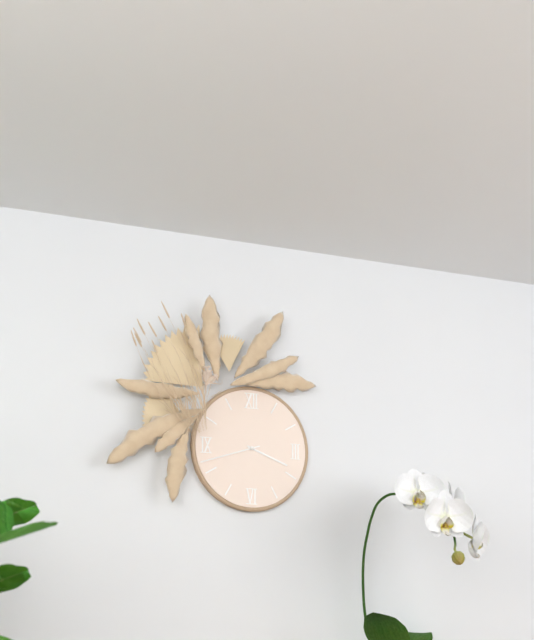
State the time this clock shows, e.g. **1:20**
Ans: **3:42**
